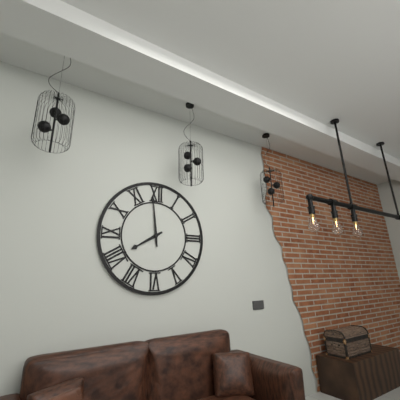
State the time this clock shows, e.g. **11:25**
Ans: **7:59**
